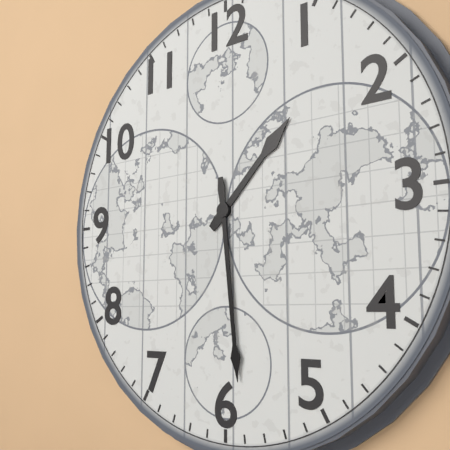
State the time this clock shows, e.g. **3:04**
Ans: **1:29**
